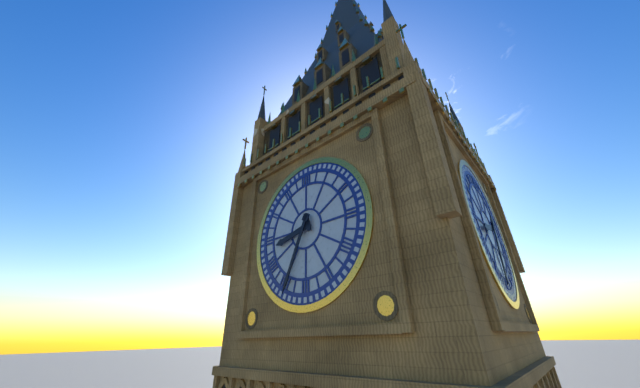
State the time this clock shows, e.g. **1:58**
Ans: **8:34**
